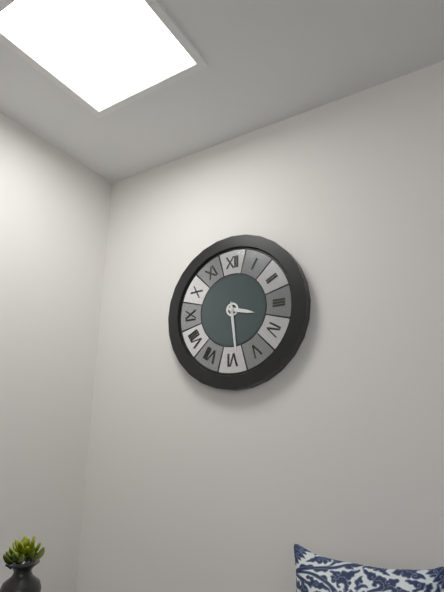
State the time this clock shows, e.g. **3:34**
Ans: **3:29**
